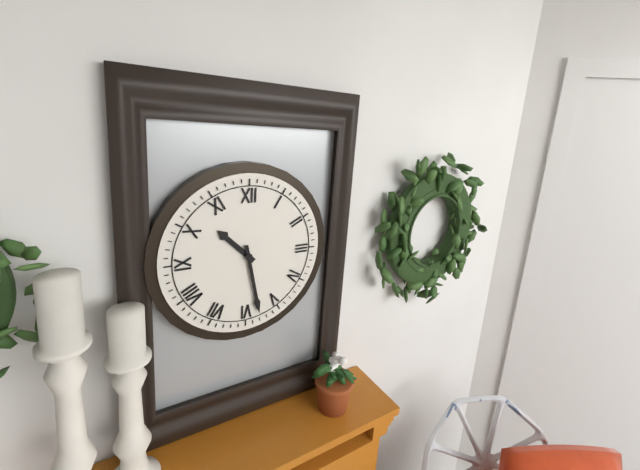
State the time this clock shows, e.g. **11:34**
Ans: **10:28**
